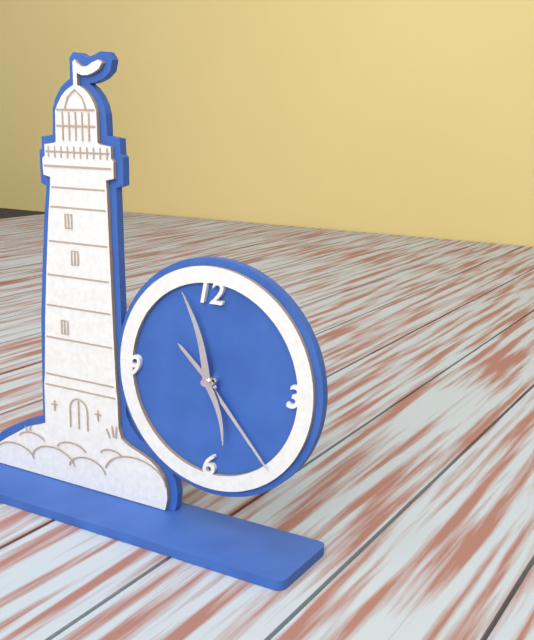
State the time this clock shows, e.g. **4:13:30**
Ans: **10:23:57**
